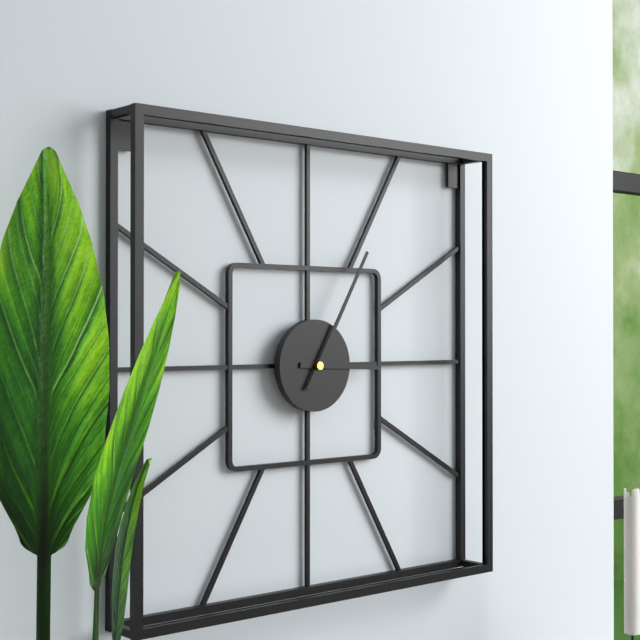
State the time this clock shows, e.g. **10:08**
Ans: **3:05**
